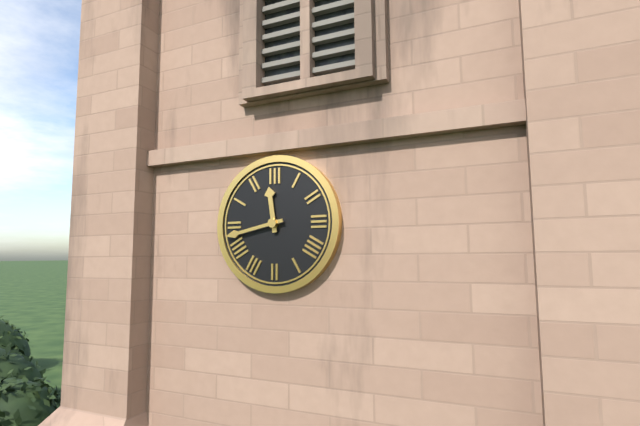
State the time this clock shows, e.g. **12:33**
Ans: **11:43**
